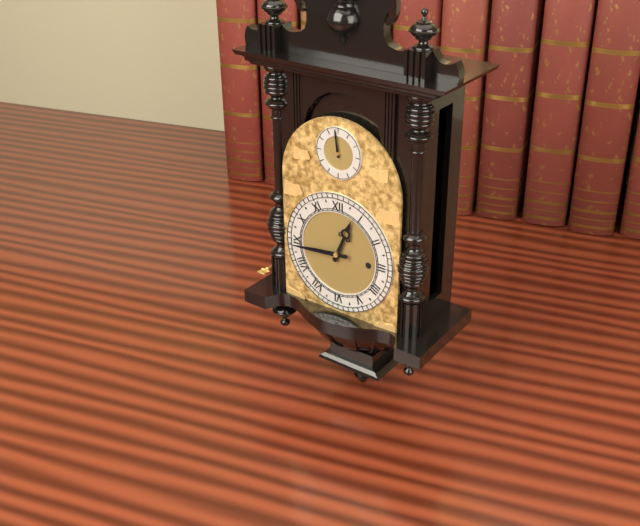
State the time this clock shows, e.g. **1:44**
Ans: **12:44**
